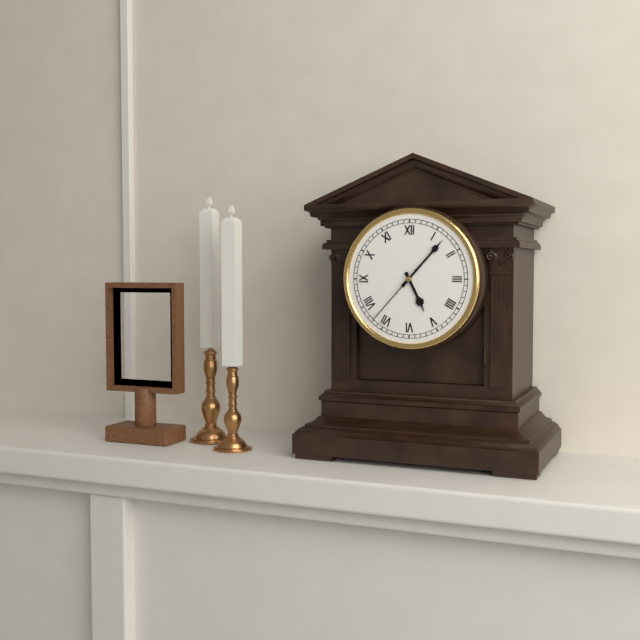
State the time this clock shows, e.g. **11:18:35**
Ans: **5:07:37**
